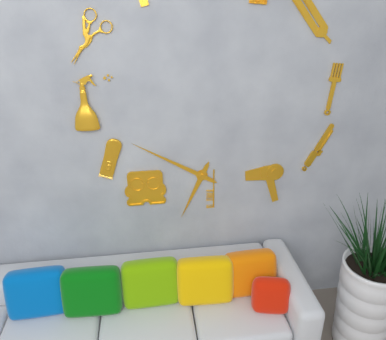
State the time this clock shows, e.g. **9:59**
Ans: **6:50**
